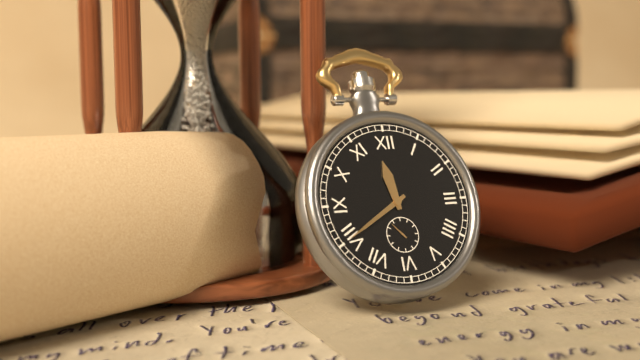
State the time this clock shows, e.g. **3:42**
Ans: **11:40**
